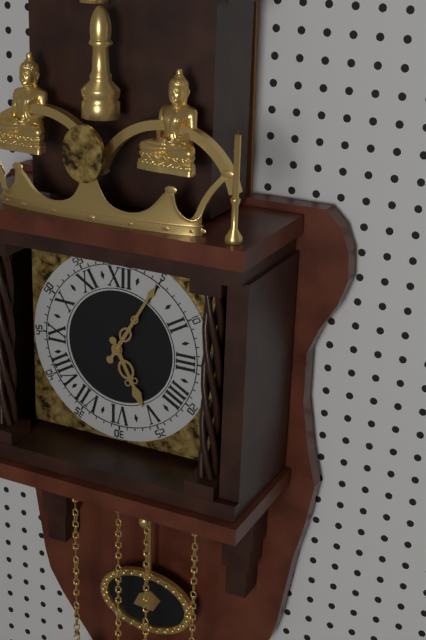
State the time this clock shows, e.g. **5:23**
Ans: **5:05**
